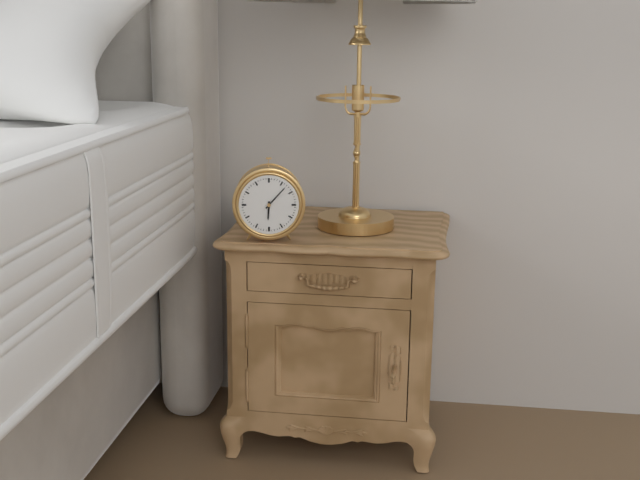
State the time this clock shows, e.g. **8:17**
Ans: **6:07**
